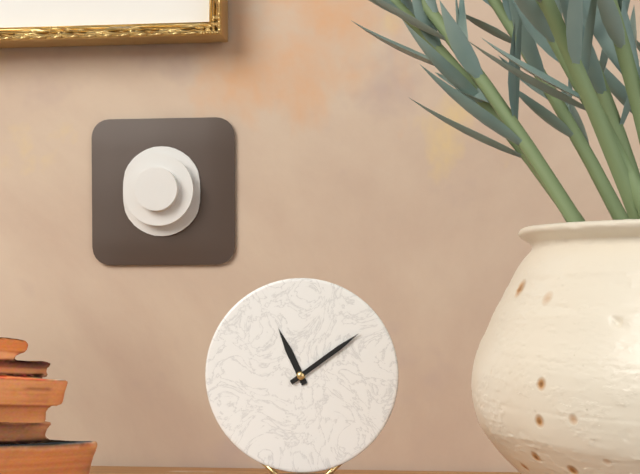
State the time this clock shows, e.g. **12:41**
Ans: **11:09**
